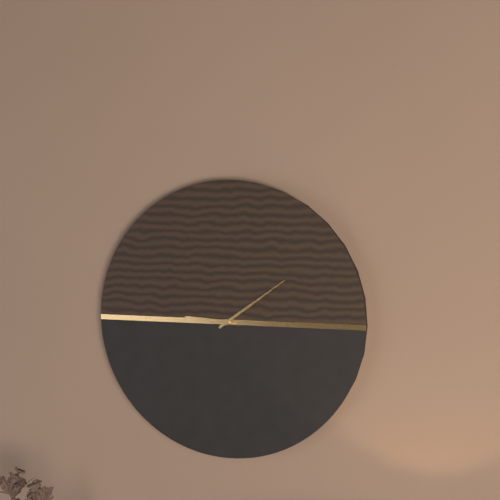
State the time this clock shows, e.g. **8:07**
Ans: **9:09**
